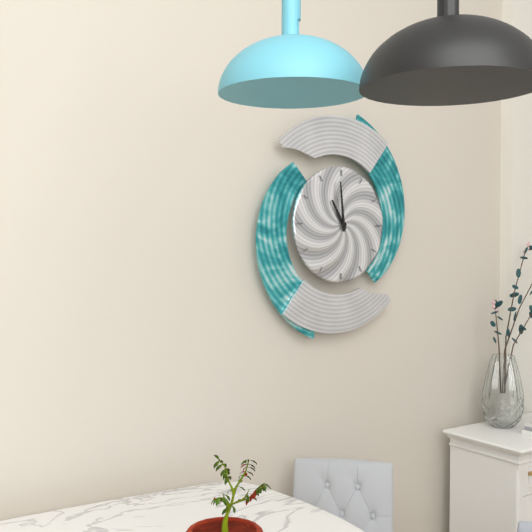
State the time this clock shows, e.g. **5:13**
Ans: **10:59**
